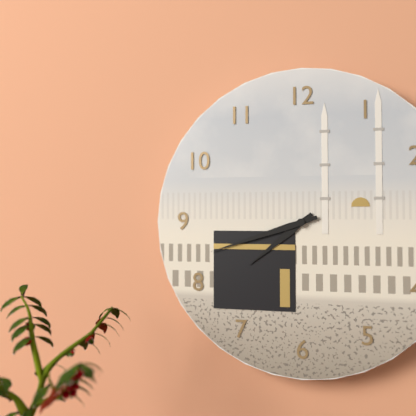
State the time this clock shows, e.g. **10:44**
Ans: **7:42**
